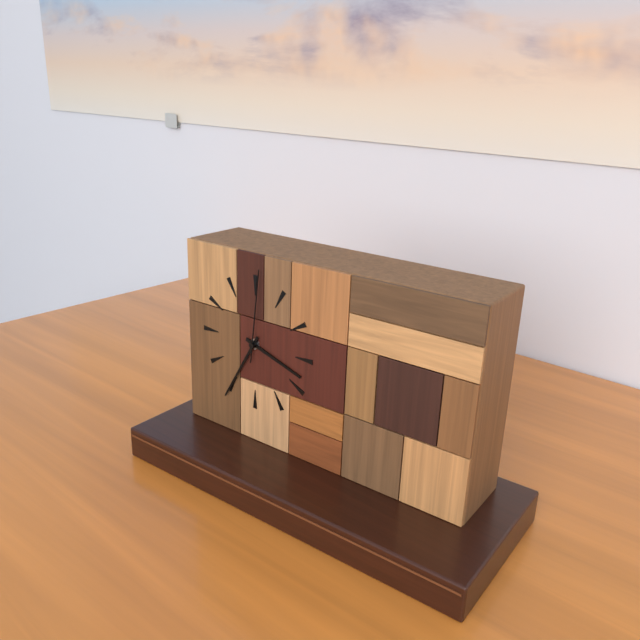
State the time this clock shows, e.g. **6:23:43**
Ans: **3:35:01**
